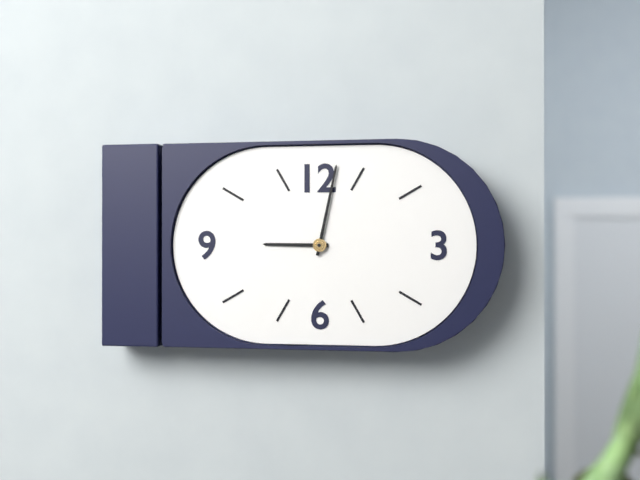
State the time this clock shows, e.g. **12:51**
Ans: **9:02**
